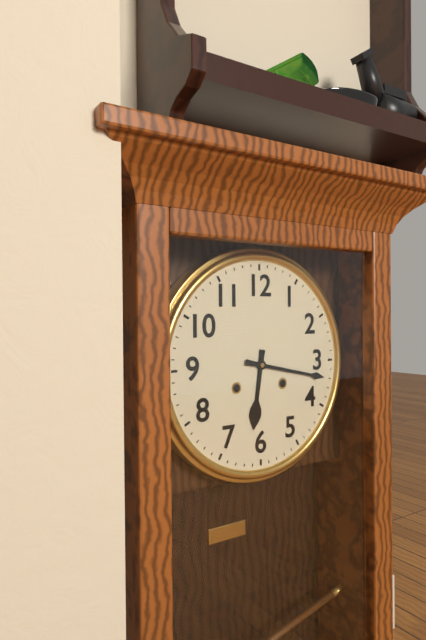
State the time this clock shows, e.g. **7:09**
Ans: **6:17**
